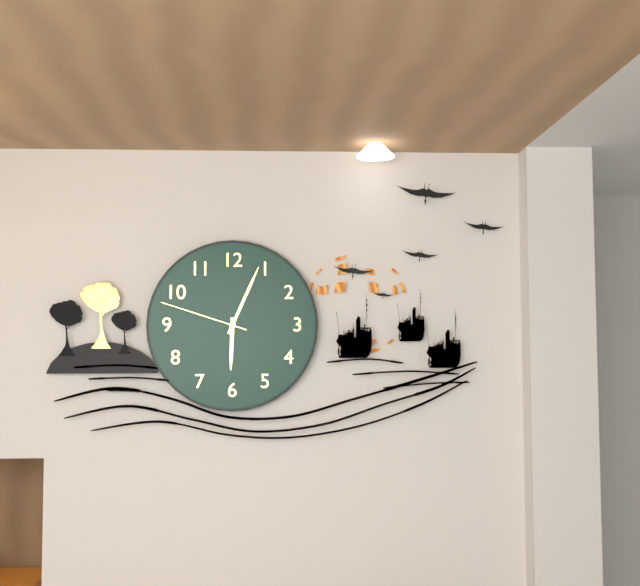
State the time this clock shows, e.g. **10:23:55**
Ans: **6:04:48**
